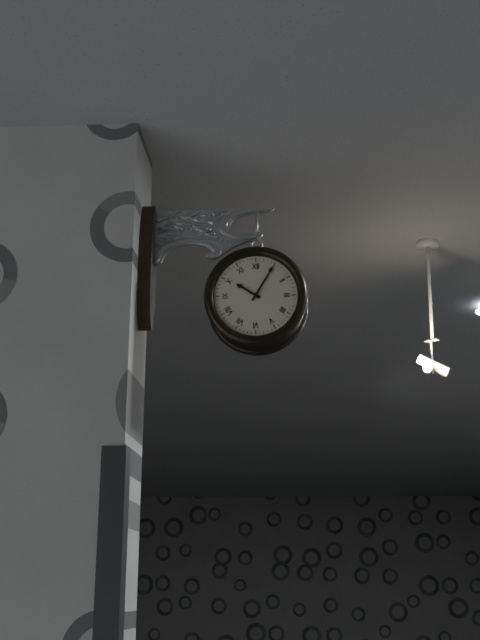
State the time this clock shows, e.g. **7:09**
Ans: **10:05**
